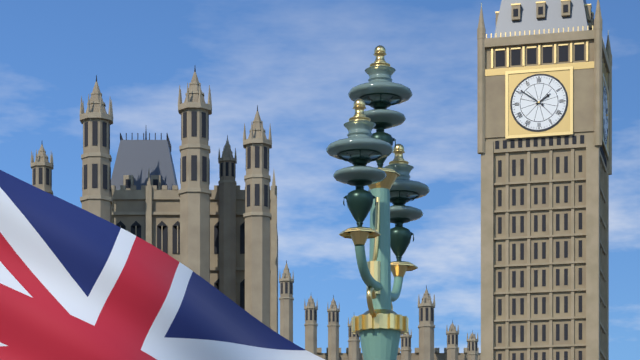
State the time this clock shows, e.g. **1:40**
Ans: **1:51**
